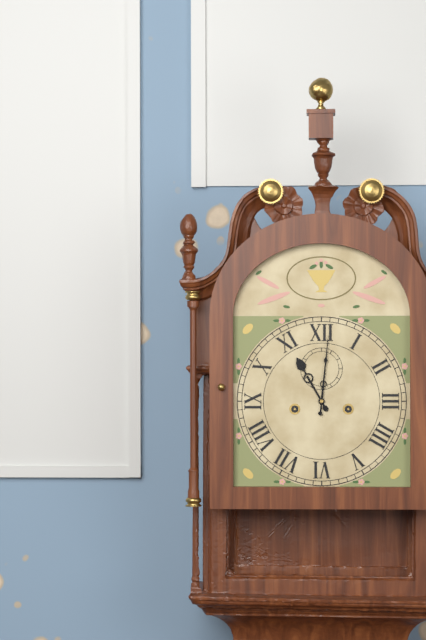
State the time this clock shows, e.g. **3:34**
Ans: **11:01**
